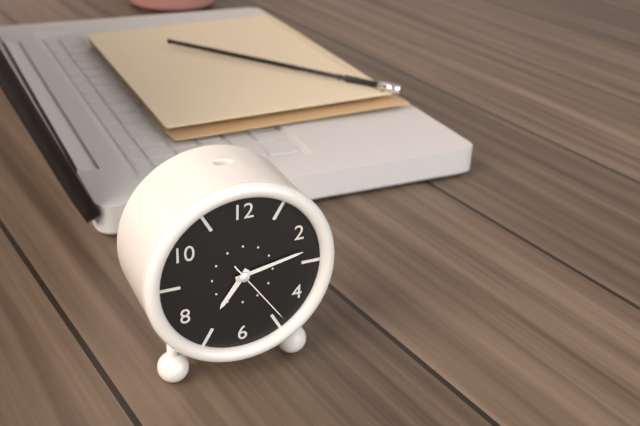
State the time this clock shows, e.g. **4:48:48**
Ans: **7:13:24**
